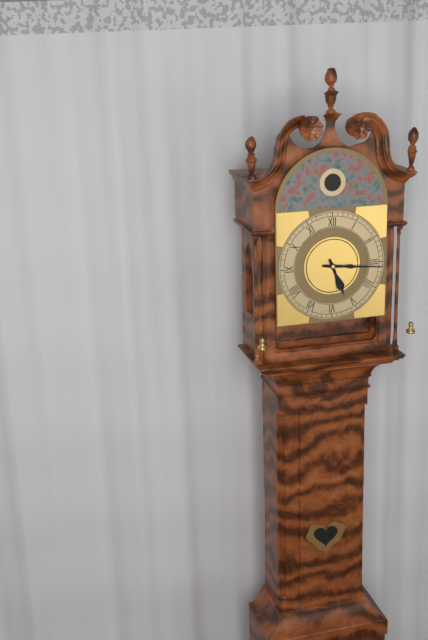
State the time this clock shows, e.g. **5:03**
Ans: **5:16**
